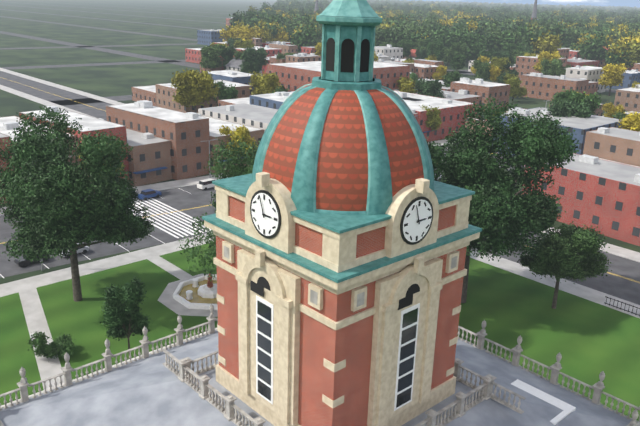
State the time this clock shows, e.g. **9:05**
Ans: **2:57**
